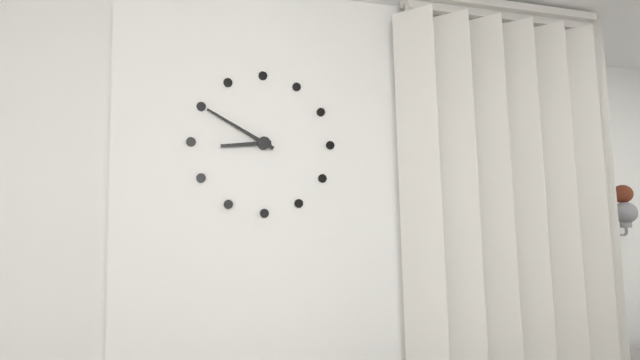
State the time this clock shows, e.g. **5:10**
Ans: **8:50**
